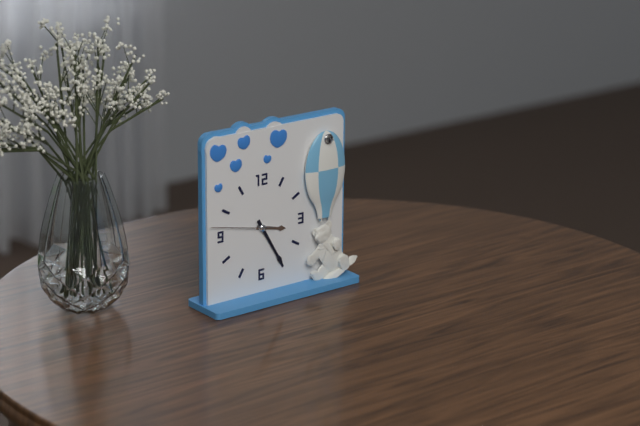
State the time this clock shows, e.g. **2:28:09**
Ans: **3:25:47**
